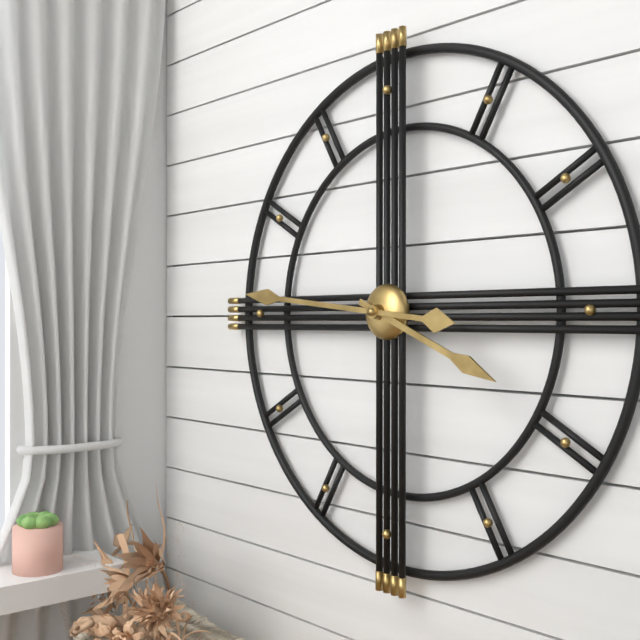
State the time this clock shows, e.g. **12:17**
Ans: **3:46**
